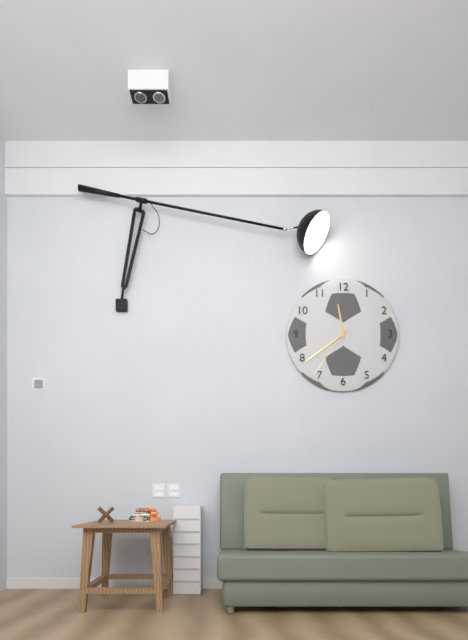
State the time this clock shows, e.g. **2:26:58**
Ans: **11:39:36**
